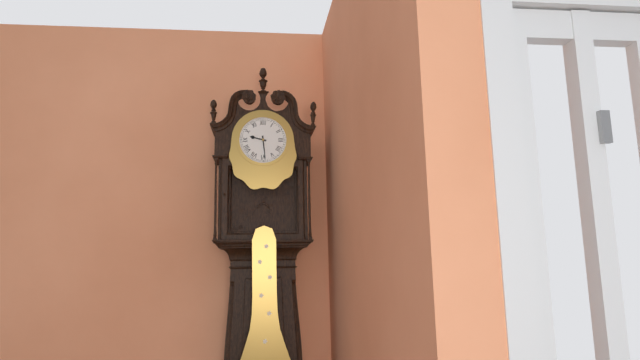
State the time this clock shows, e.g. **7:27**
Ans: **9:29**
